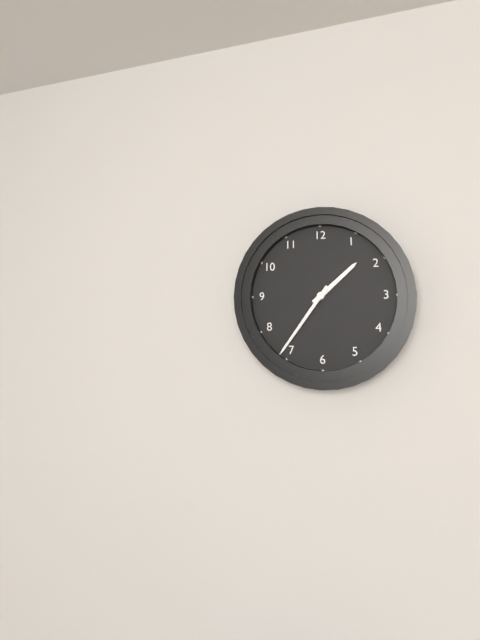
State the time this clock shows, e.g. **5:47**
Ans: **1:36**
